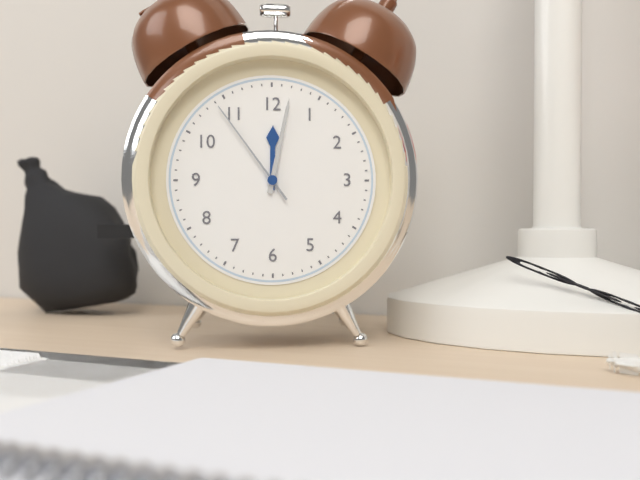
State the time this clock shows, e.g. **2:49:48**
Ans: **12:02:54**
